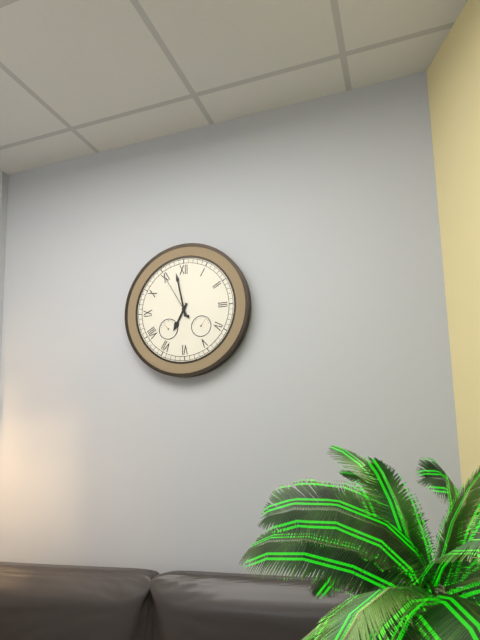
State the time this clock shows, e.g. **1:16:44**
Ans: **6:58:55**
